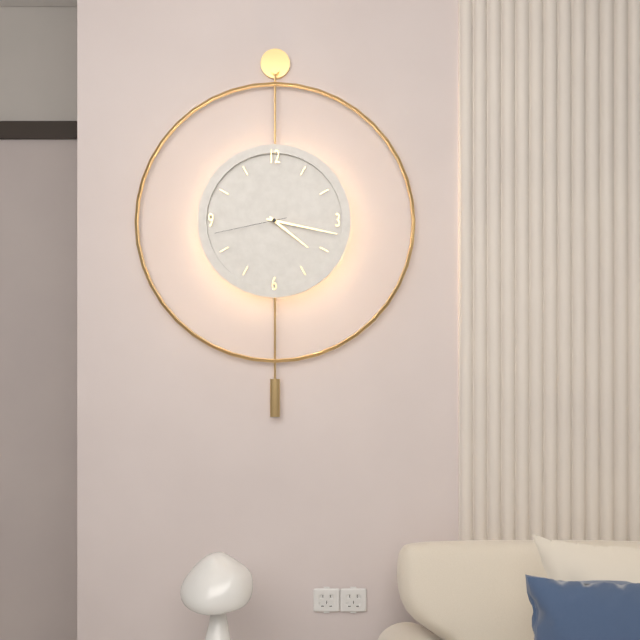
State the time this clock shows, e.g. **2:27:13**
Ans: **4:17:43**
